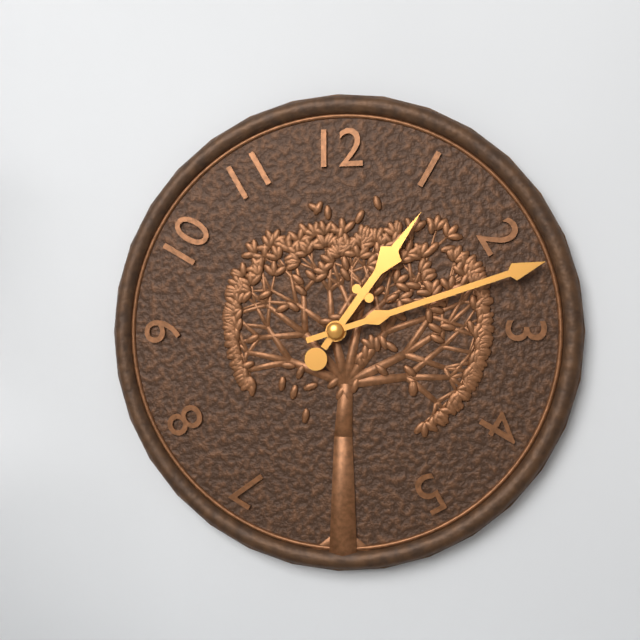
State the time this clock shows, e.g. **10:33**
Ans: **1:12**
